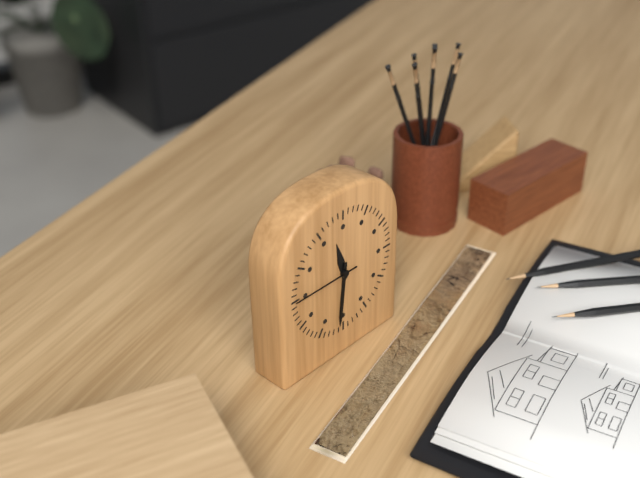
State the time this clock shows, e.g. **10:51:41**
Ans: **11:31:45**
